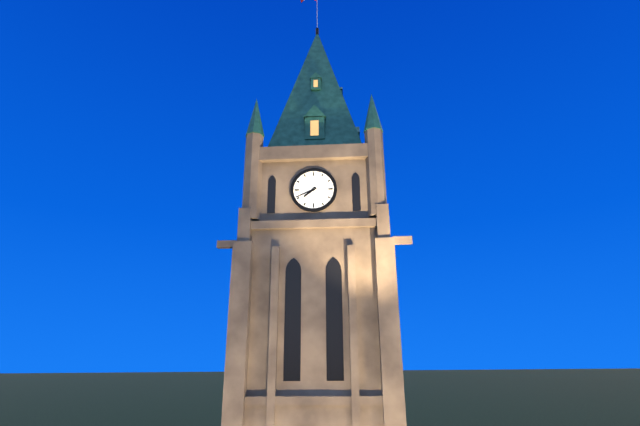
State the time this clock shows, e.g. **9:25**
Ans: **7:41**
